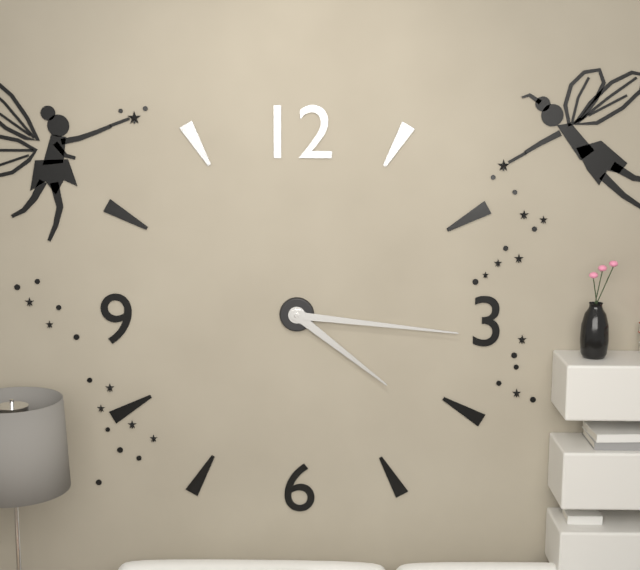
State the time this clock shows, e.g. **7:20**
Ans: **4:16**
